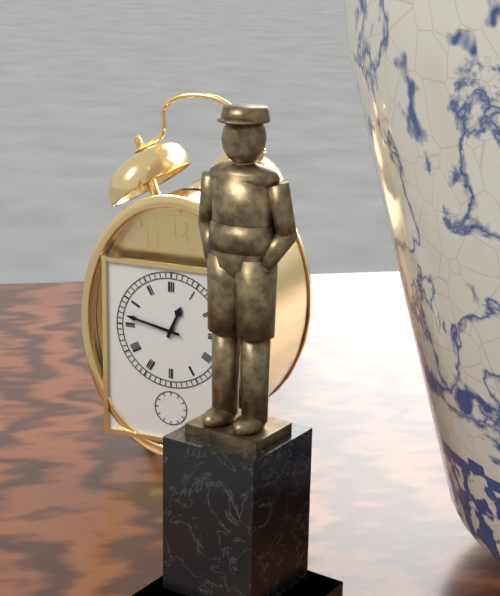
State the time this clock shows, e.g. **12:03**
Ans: **12:47**
